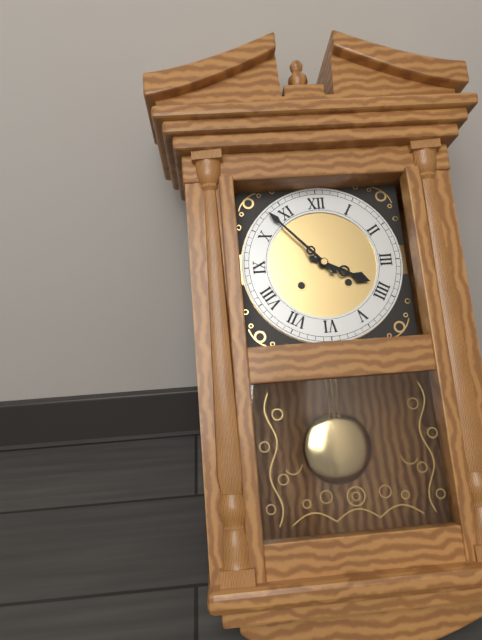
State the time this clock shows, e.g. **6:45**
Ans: **3:53**
